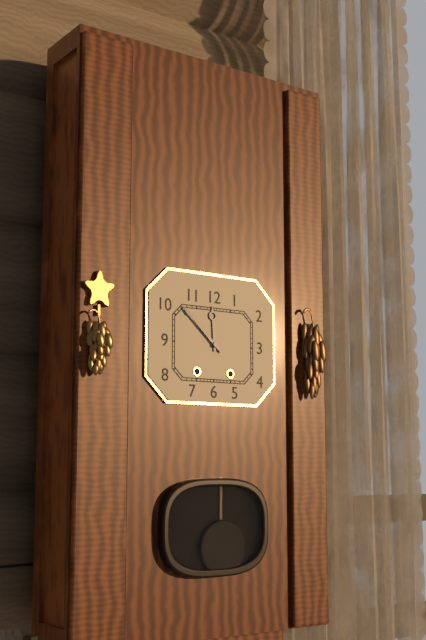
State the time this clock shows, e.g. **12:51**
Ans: **11:52**
